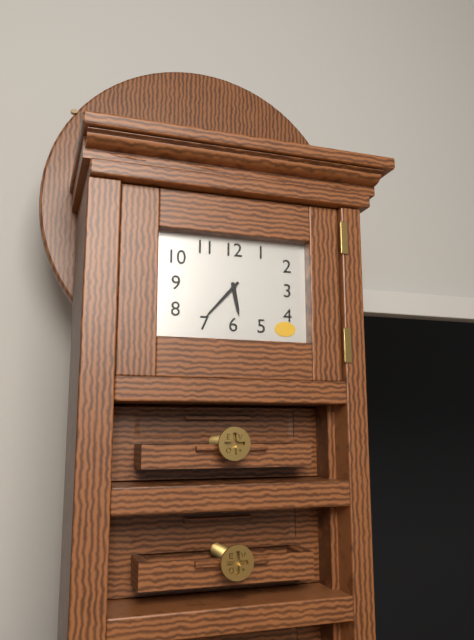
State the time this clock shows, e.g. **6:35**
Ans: **5:37**
